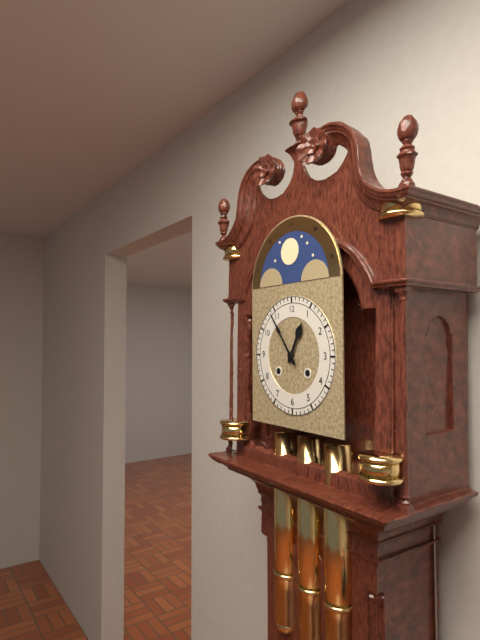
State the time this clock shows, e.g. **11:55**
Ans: **12:54**
